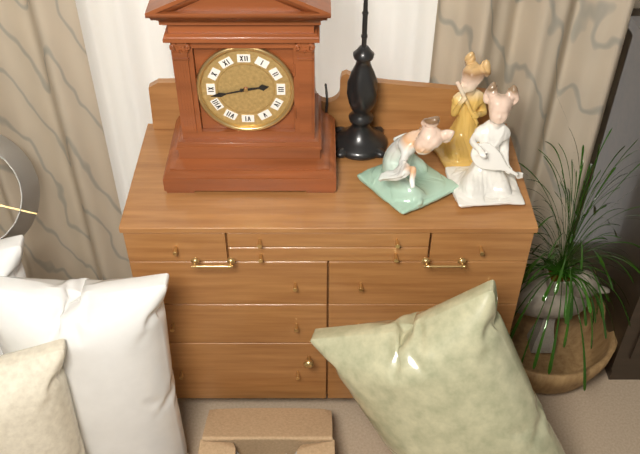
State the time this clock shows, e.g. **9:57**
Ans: **2:43**
